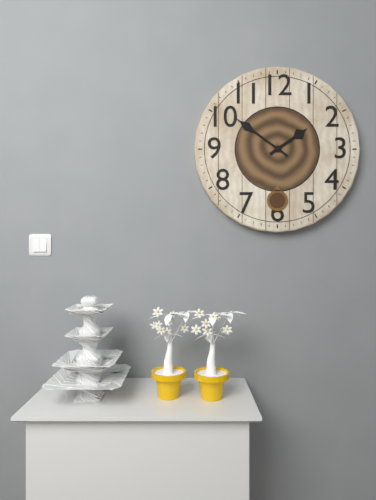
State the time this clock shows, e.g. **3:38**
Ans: **1:51**
